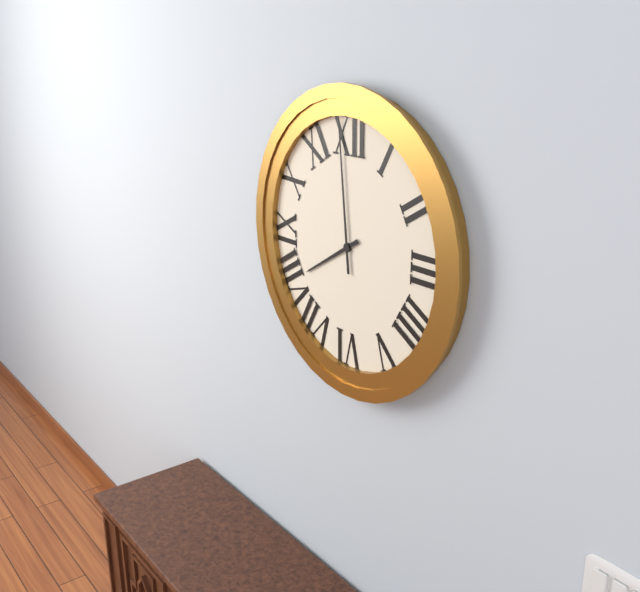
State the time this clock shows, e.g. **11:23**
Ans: **7:59**
